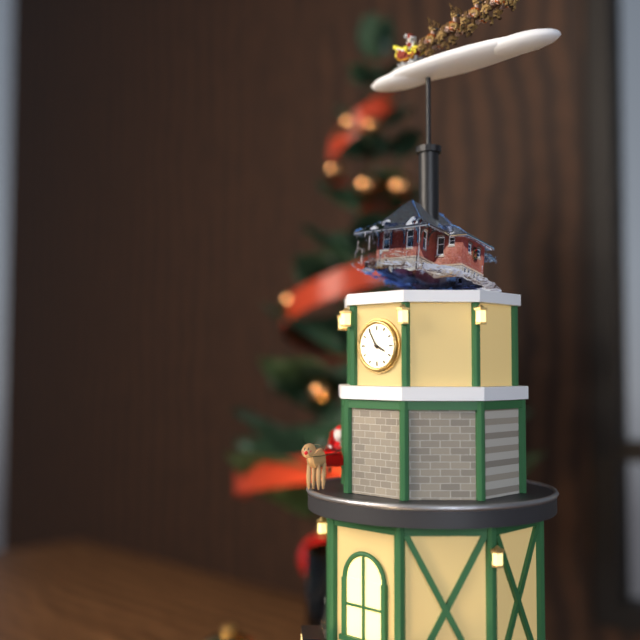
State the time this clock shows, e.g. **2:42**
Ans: **3:55**
